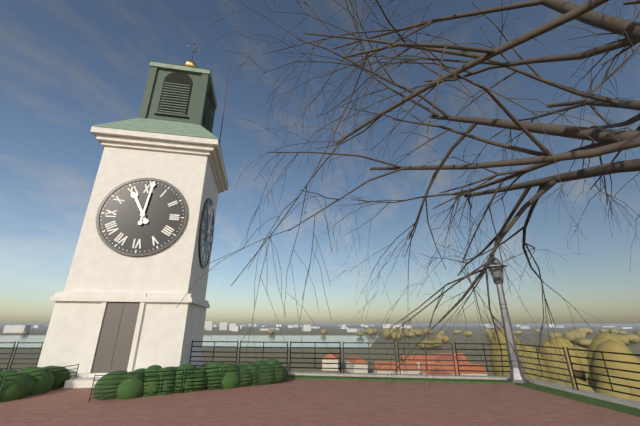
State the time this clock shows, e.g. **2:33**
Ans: **11:01**
